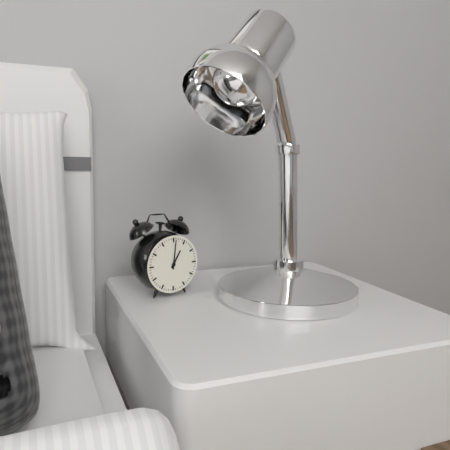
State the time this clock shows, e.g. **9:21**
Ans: **1:01**
